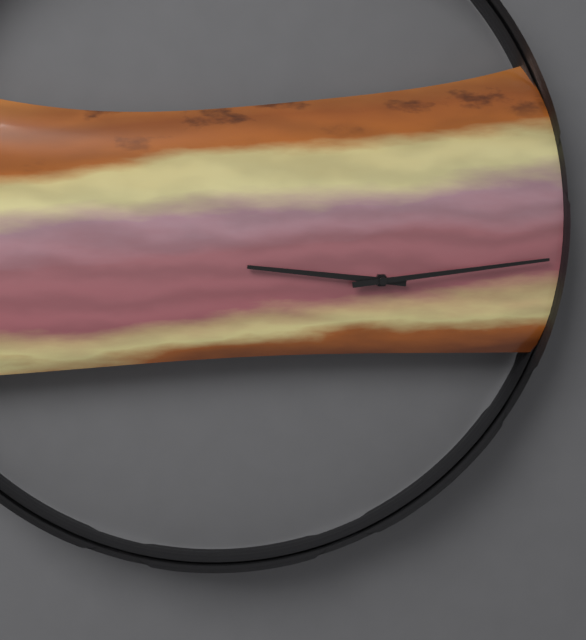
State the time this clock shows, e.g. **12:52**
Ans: **9:14**
